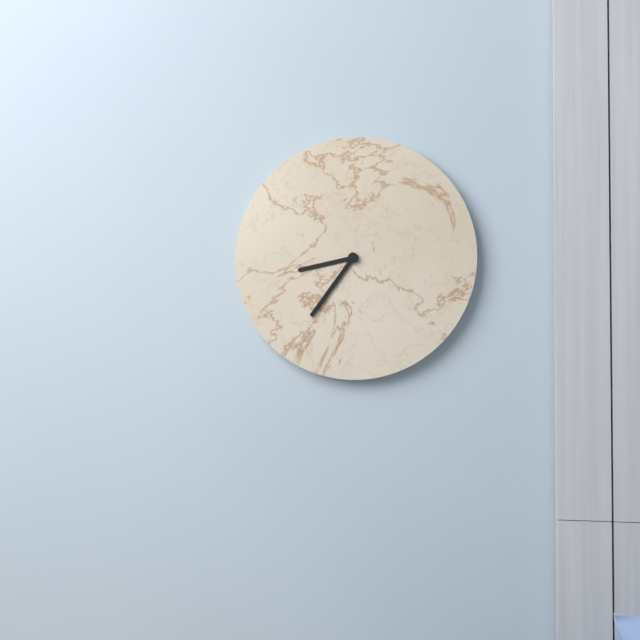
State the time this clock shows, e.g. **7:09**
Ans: **8:36**
